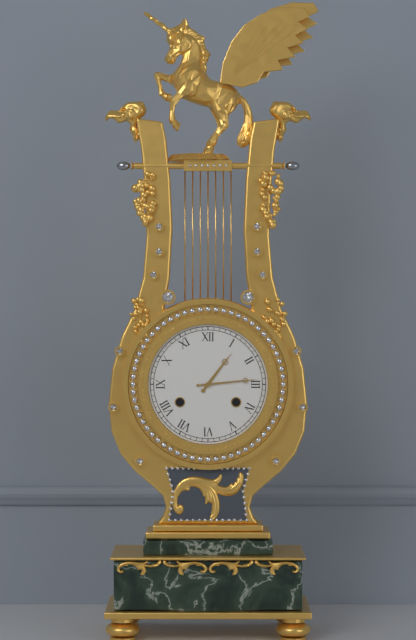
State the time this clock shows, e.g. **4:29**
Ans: **1:14**
